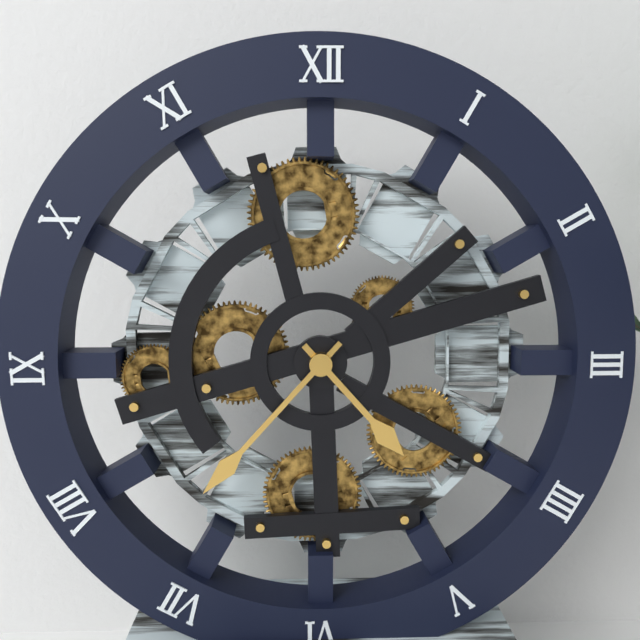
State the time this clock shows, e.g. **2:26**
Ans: **4:37**
